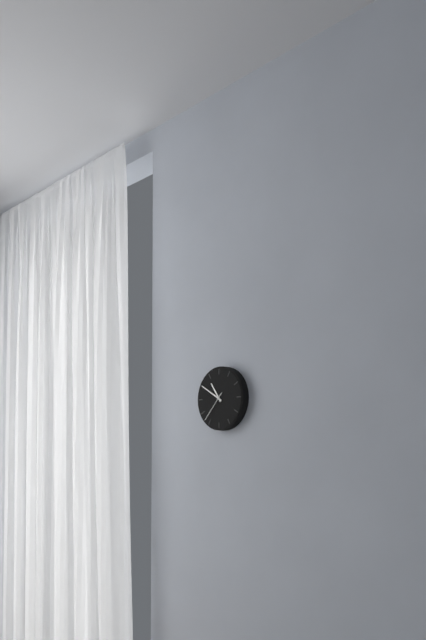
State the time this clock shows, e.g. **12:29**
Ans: **10:50**
